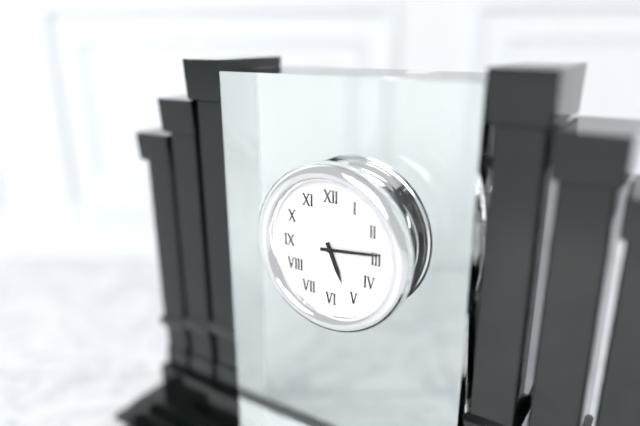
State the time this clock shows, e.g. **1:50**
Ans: **5:14**
